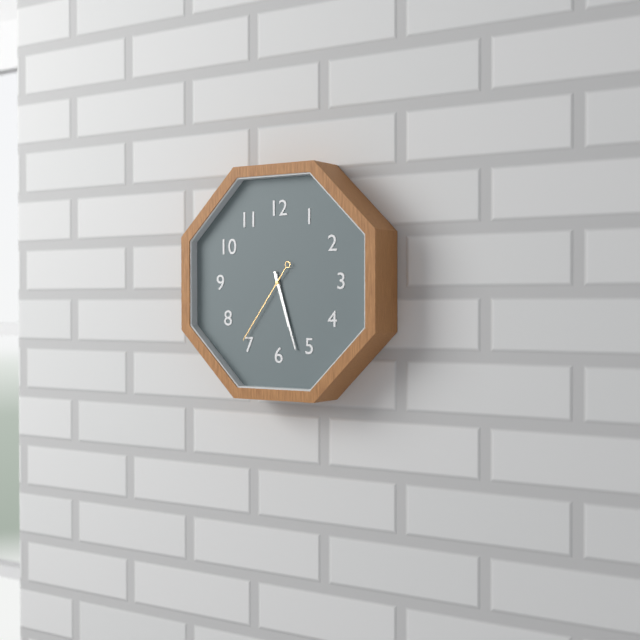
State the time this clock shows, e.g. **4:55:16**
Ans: **5:27:36**
